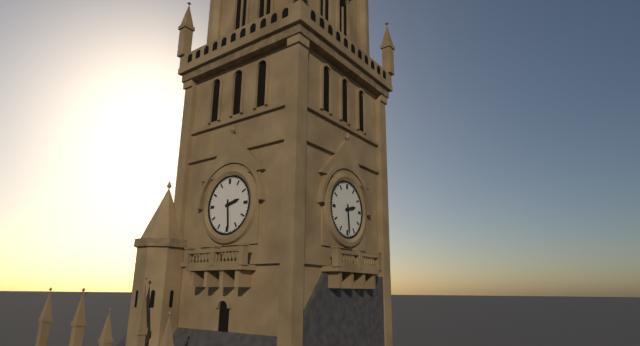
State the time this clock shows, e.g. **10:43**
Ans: **2:29**
